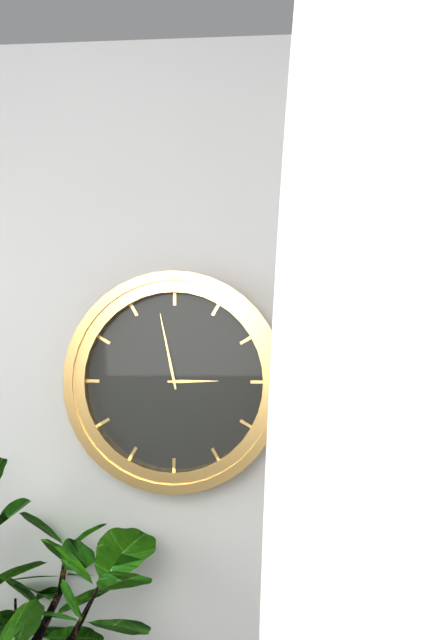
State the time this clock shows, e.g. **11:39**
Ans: **2:58**
